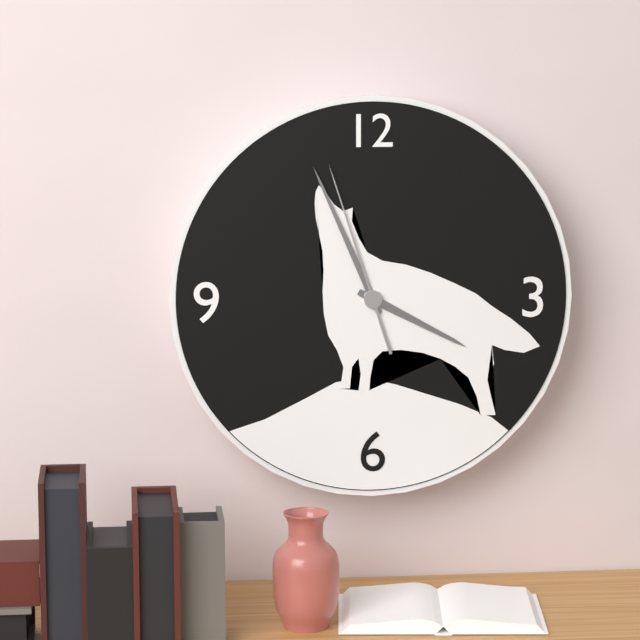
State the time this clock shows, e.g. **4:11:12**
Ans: **3:56:57**
